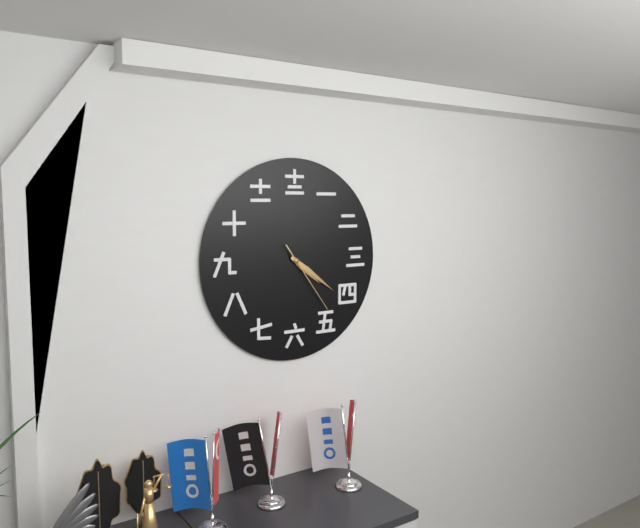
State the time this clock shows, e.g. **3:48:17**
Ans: **4:21:24**
